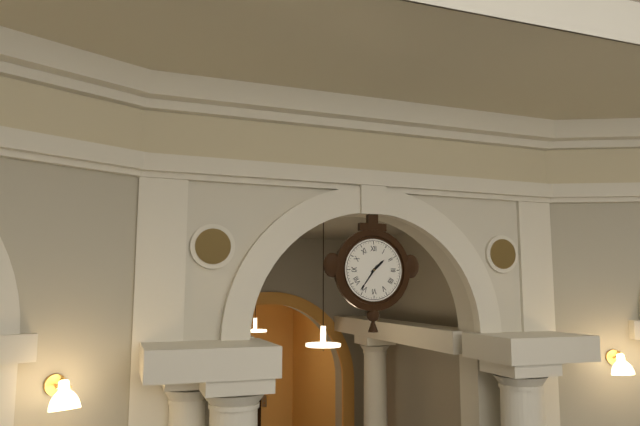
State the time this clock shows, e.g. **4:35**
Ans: **1:36**
